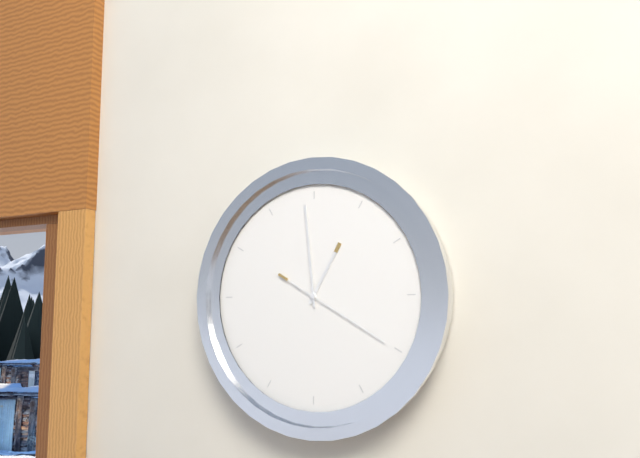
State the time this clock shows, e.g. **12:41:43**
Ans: **12:59:20**
